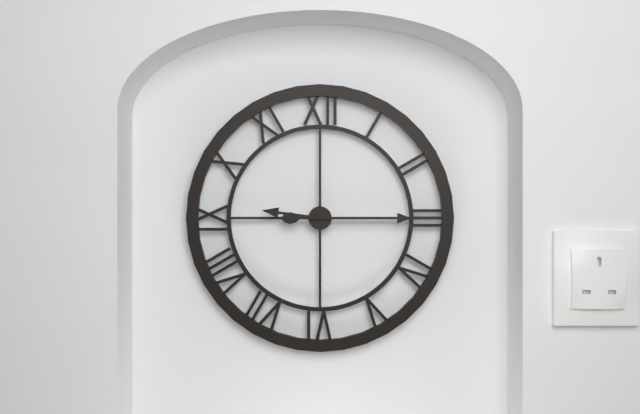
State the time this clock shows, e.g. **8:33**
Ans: **9:15**
